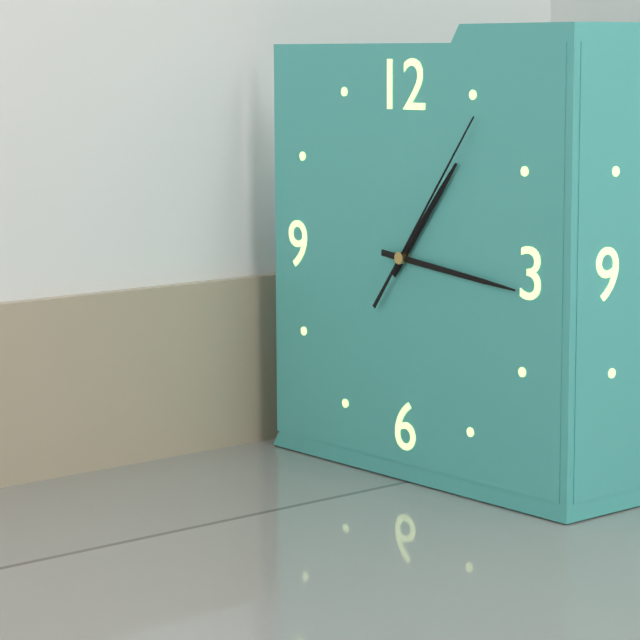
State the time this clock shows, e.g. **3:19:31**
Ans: **1:16:06**
